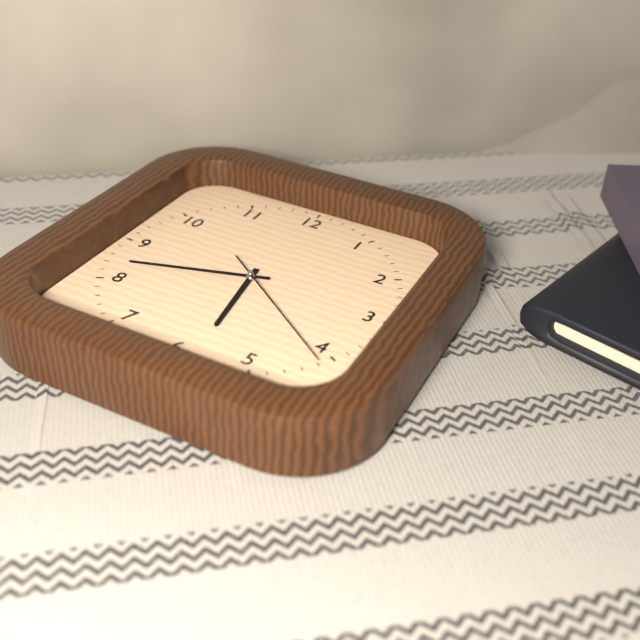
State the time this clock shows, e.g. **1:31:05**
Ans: **5:42:21**
